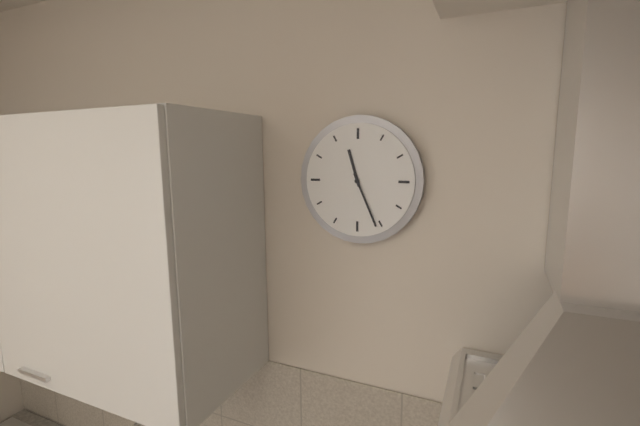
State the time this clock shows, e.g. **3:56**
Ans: **11:26**
